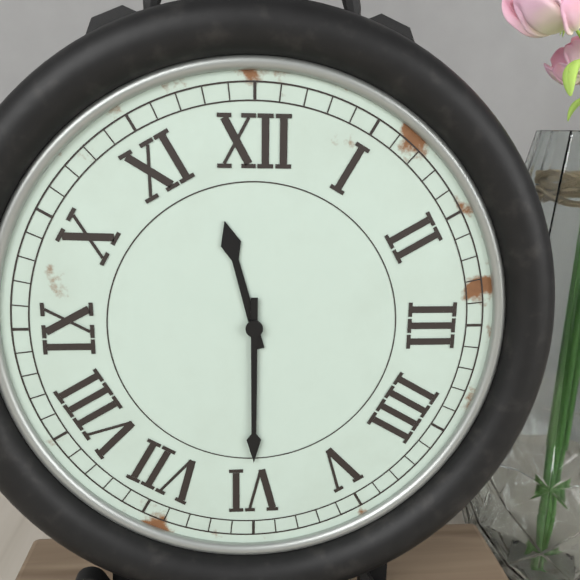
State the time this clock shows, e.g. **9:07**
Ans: **11:30**
